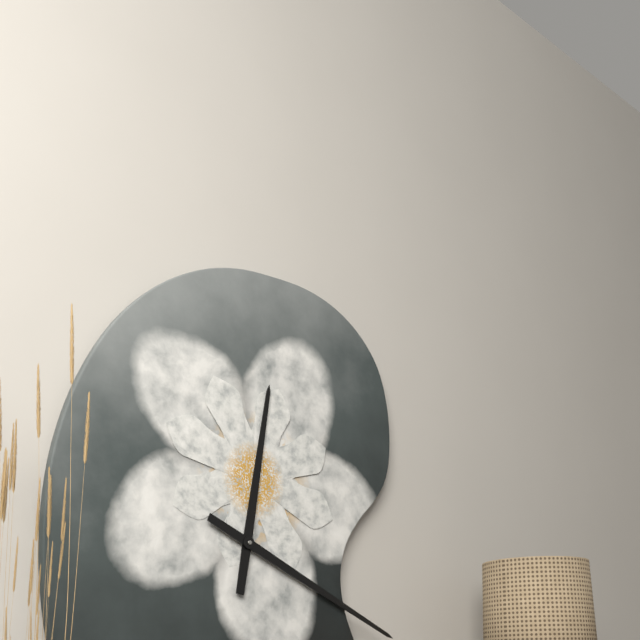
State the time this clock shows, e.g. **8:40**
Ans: **12:19**
